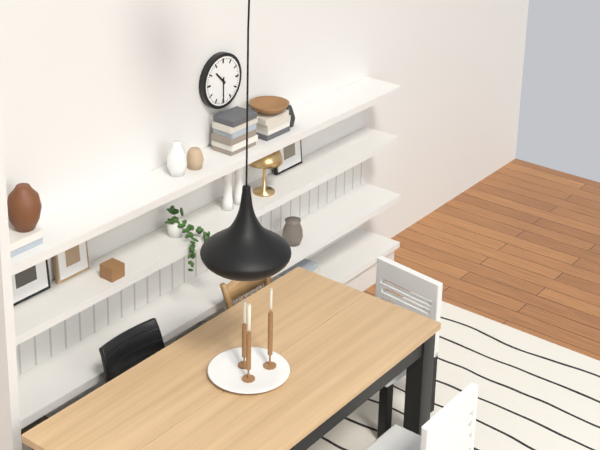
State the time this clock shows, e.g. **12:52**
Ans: **10:30**
